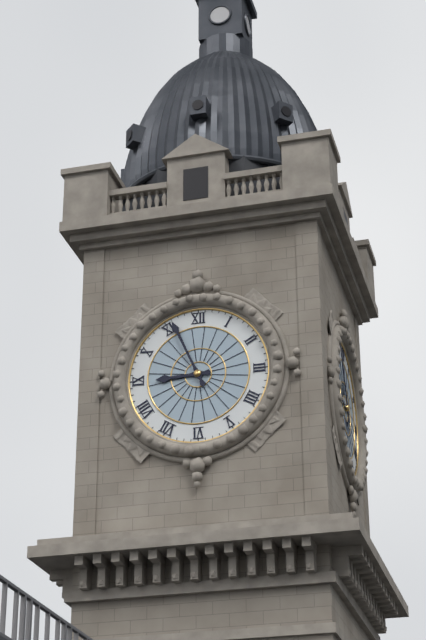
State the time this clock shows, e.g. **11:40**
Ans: **8:56**
